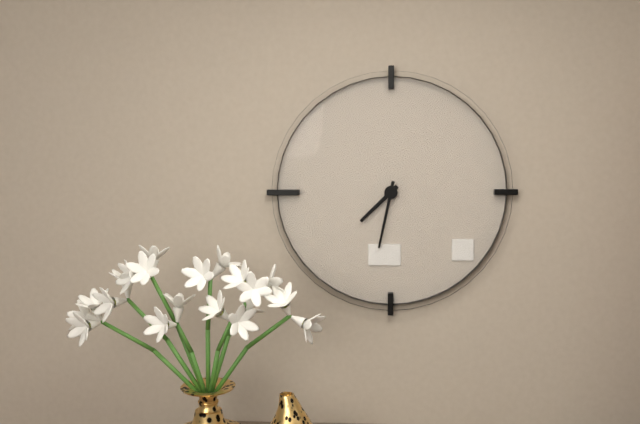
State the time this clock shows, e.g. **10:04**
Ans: **7:32**
